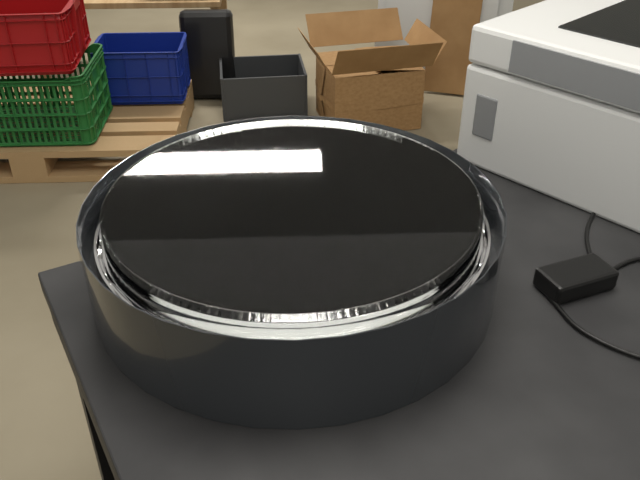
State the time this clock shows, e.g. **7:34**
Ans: **8:49**
